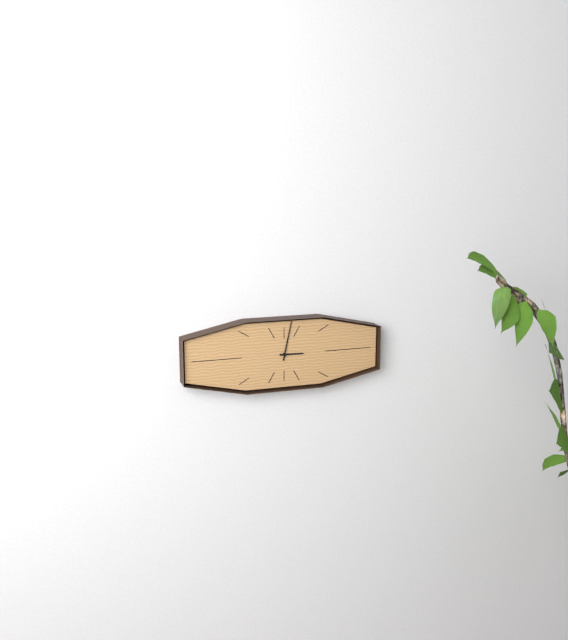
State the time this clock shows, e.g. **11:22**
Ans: **3:02**
